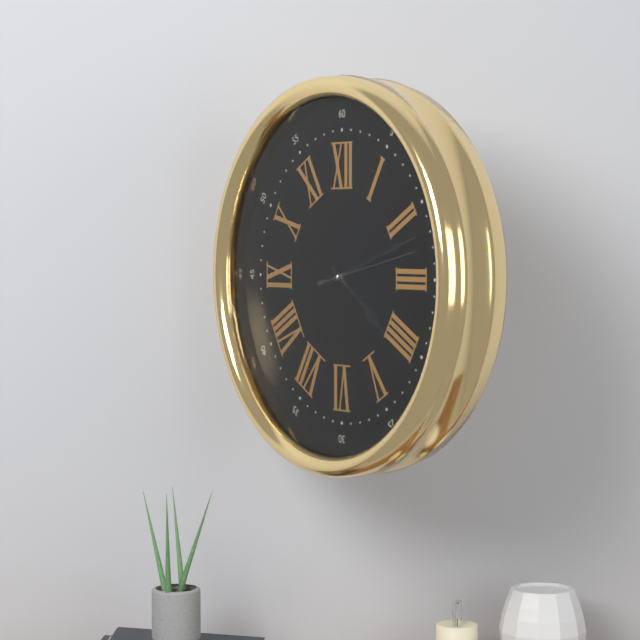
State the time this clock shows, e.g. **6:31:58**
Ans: **4:12:13**
